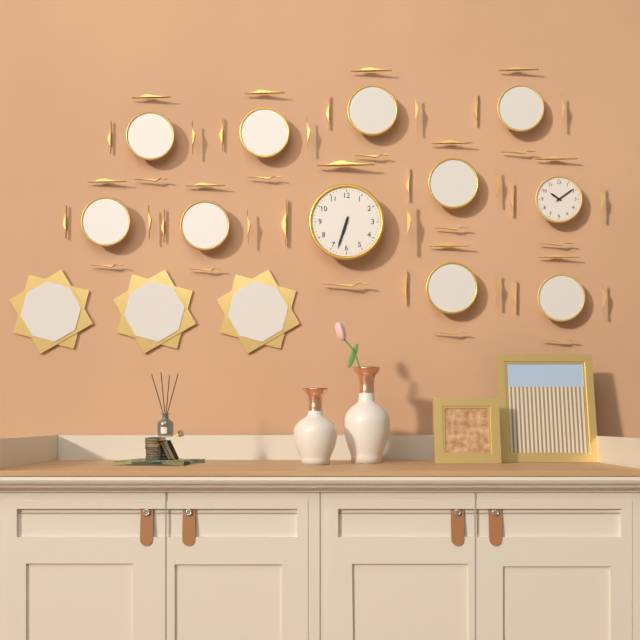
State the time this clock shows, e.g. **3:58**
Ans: **6:33**
